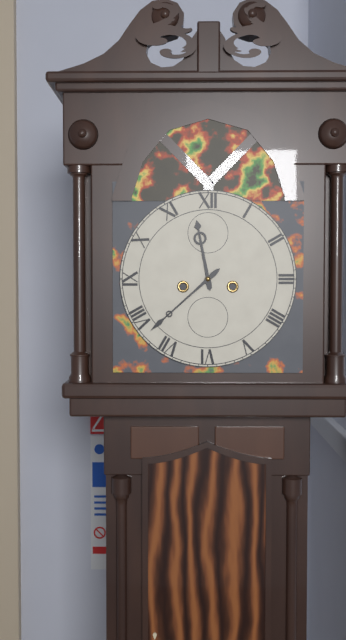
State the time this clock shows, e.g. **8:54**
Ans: **11:38**
